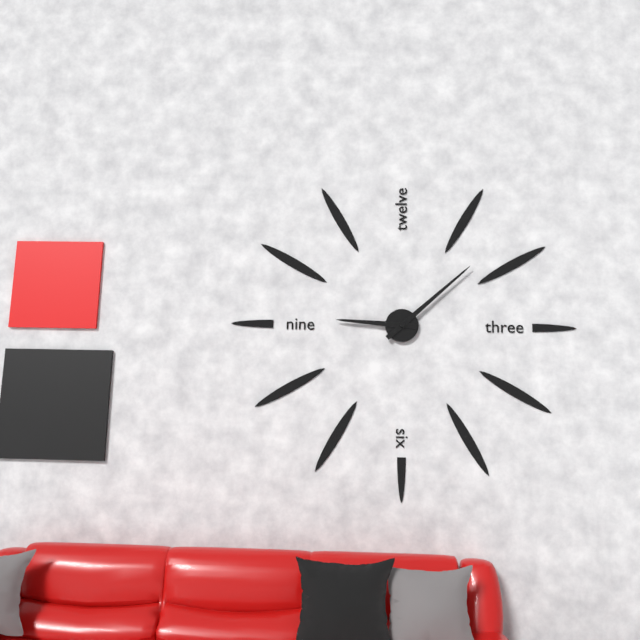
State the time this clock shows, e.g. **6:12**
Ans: **9:08**
